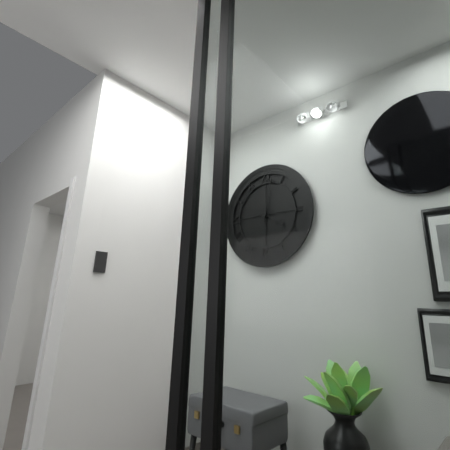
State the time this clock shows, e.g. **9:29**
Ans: **4:02**
